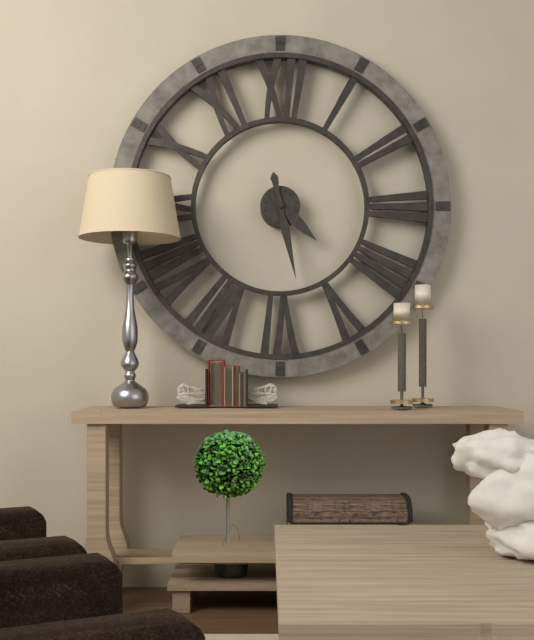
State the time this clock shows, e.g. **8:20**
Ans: **4:28**
